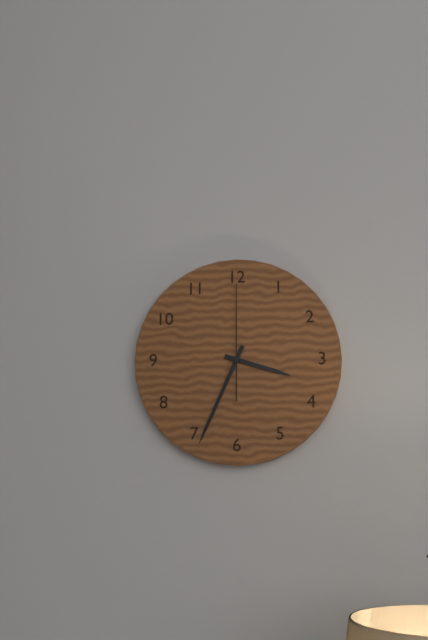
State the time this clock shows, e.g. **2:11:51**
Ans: **3:34:00**
